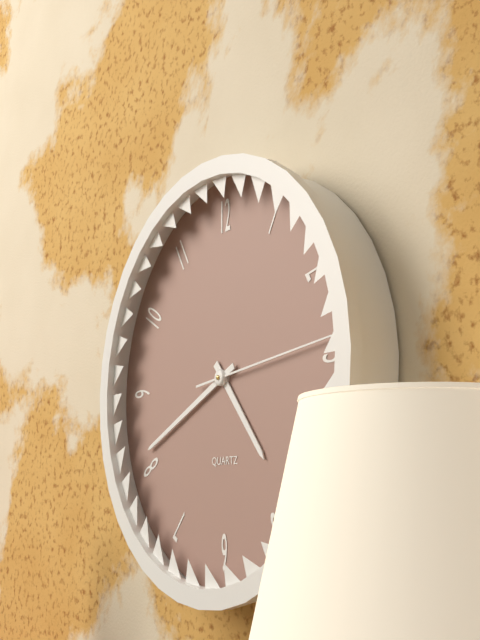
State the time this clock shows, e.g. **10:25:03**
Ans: **4:41:14**
